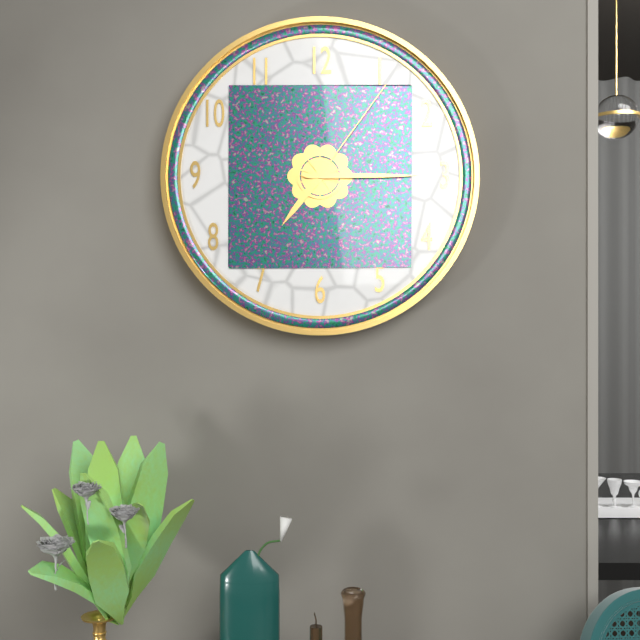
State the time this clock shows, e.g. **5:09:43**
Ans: **7:15:06**
